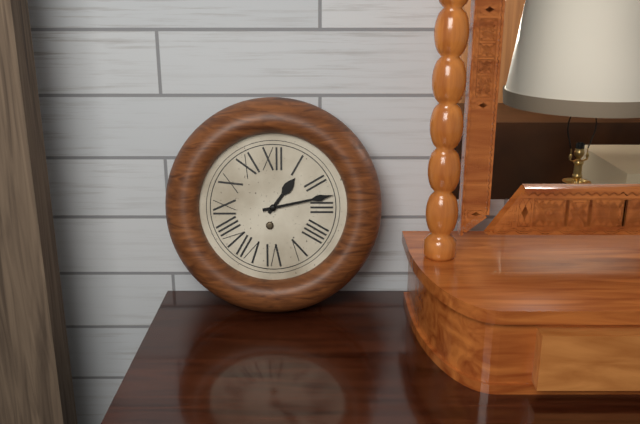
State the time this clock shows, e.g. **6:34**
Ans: **1:13**
